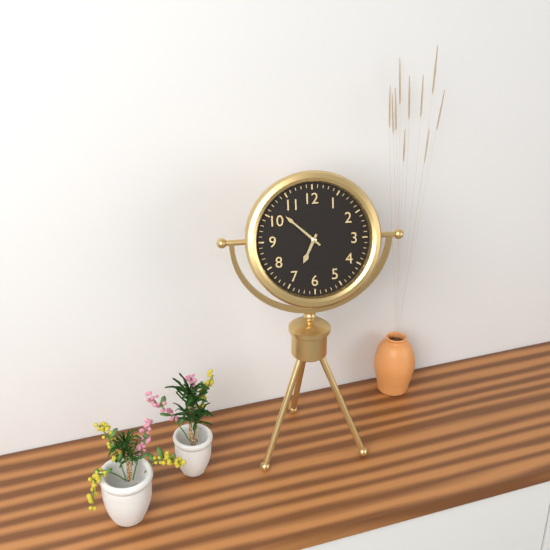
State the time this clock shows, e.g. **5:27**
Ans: **6:52**
